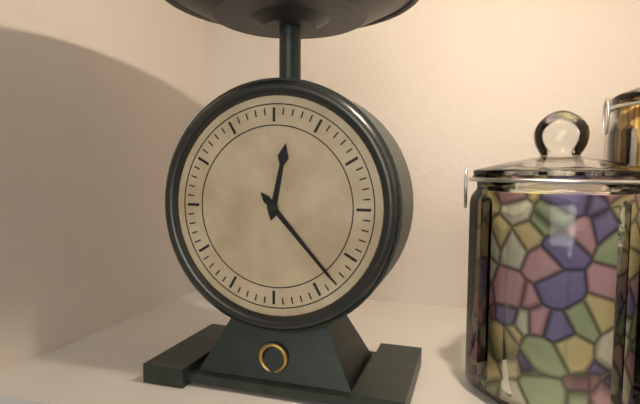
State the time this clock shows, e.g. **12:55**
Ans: **12:23**
